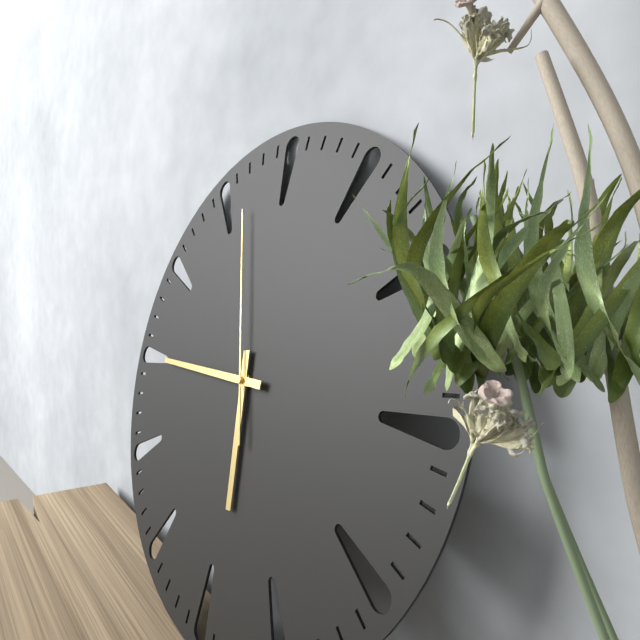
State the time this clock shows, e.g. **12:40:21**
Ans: **5:45:57**
